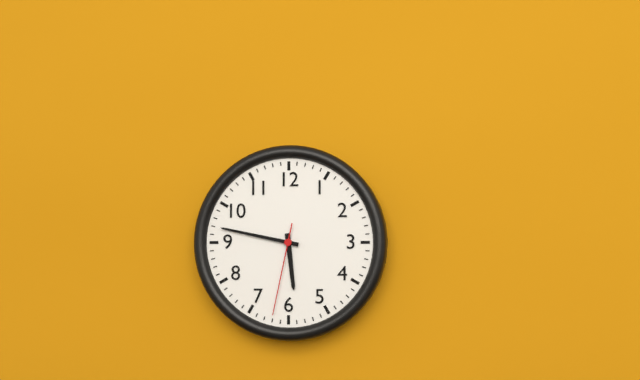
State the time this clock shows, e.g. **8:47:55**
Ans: **5:47:32**
